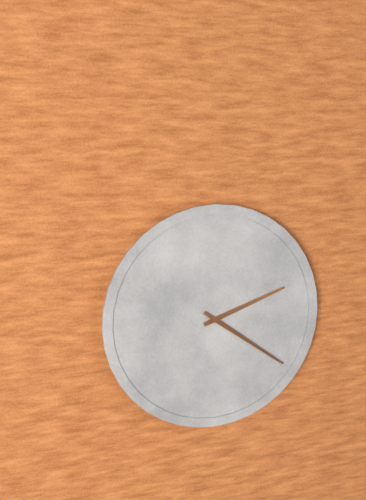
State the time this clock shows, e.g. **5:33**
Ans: **2:21**
